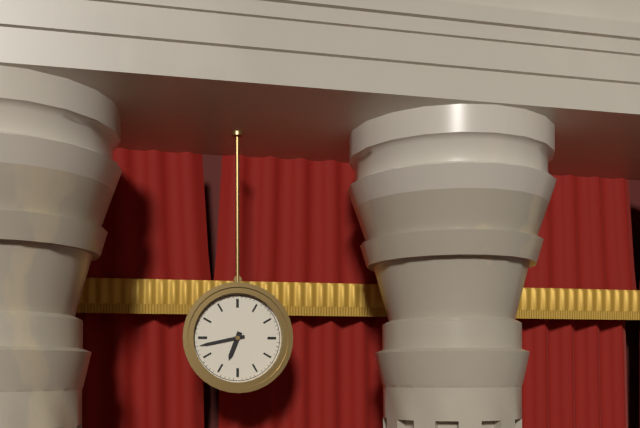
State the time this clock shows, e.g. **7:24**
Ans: **6:43**
